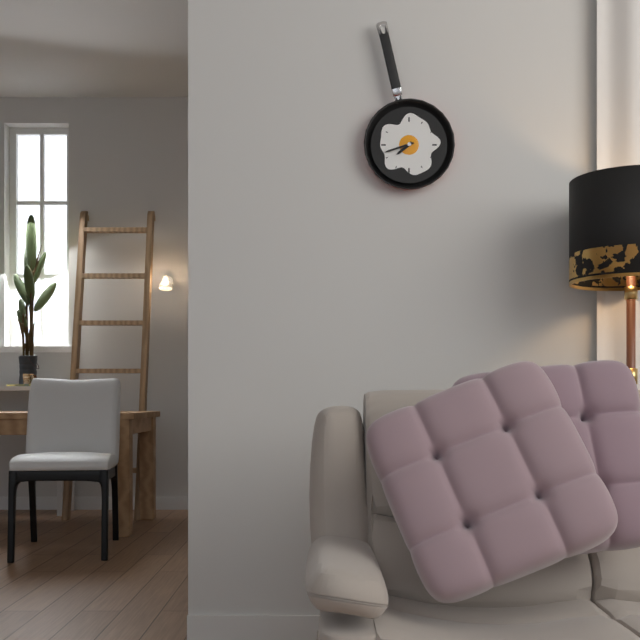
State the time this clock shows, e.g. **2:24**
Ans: **7:42**
